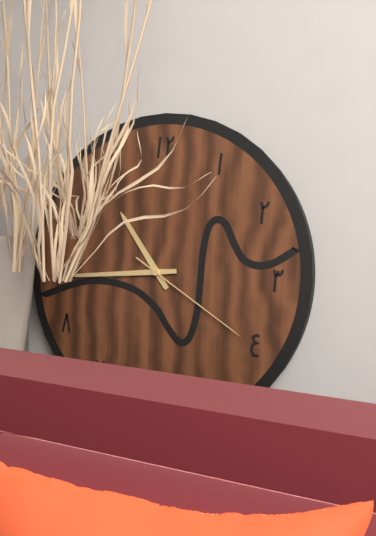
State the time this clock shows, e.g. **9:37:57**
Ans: **10:44:20**
